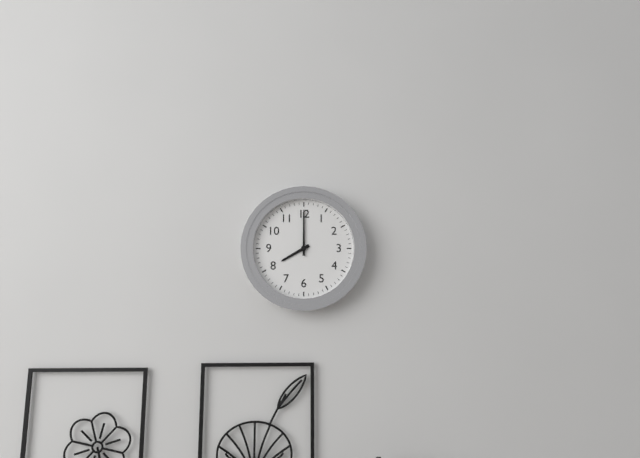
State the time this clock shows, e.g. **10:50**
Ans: **8:00**
